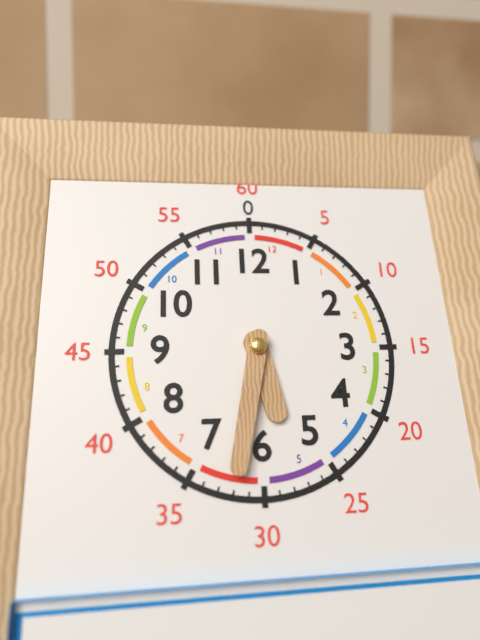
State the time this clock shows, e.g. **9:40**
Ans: **5:32**
